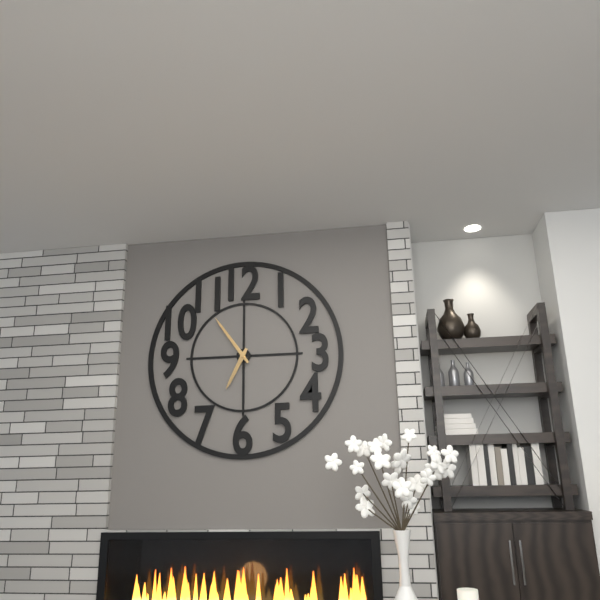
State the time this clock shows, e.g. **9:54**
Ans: **6:54**
